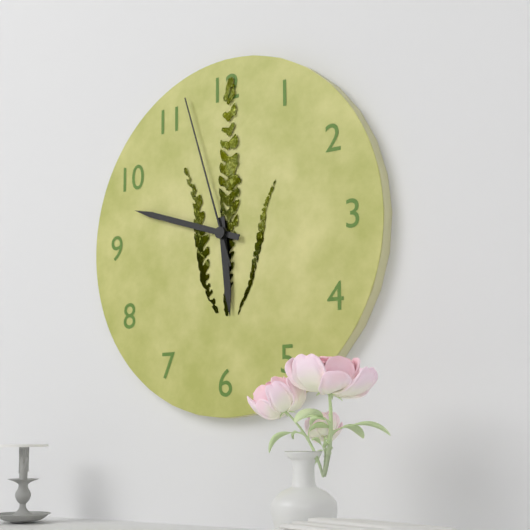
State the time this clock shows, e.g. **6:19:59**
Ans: **5:48:57**
